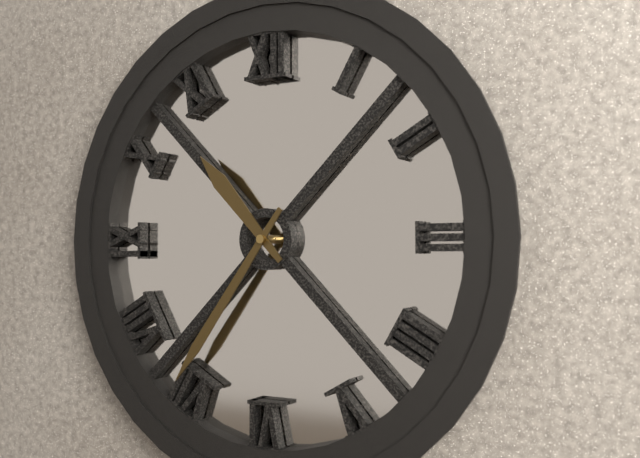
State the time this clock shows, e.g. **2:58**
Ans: **10:36**
